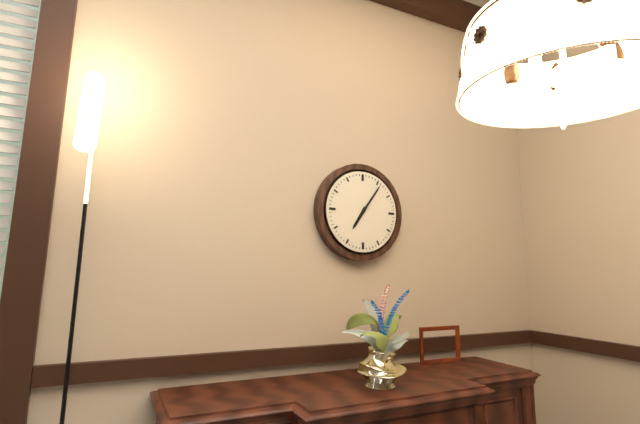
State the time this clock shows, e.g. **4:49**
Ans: **7:06**
